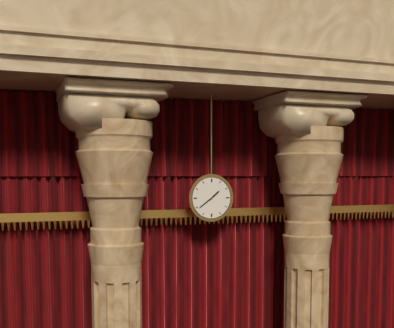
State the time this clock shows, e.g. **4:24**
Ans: **1:39**
